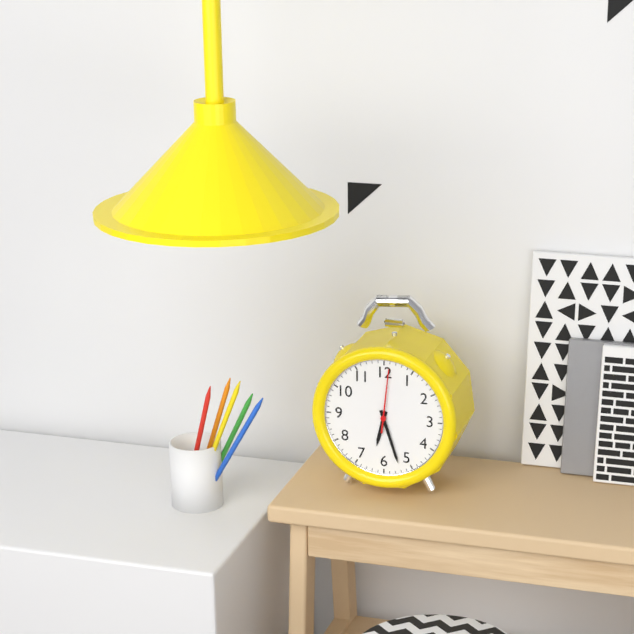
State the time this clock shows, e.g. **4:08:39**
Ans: **6:27:01**
